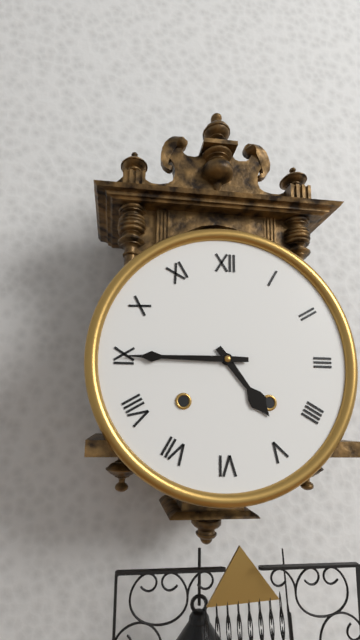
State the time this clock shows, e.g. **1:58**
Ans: **4:45**
